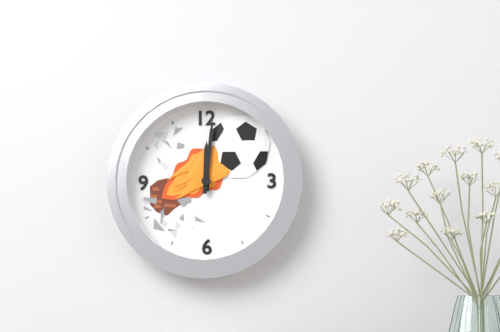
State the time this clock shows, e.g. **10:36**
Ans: **12:01**
